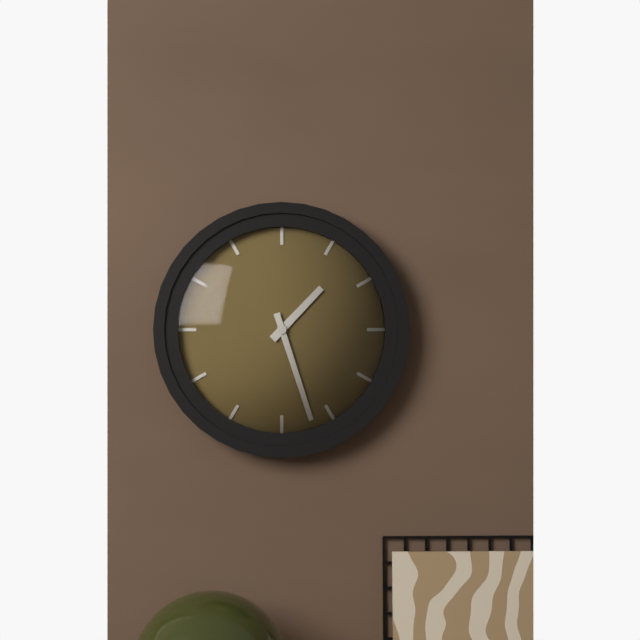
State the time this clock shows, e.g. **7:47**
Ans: **1:27**
